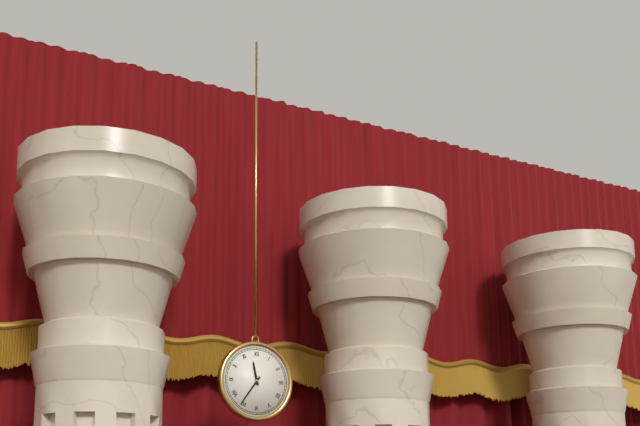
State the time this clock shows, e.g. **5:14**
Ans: **11:36**
